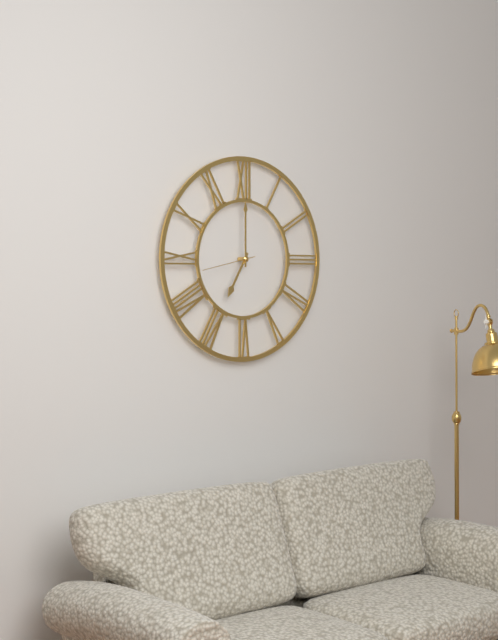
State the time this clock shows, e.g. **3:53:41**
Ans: **7:00:43**
